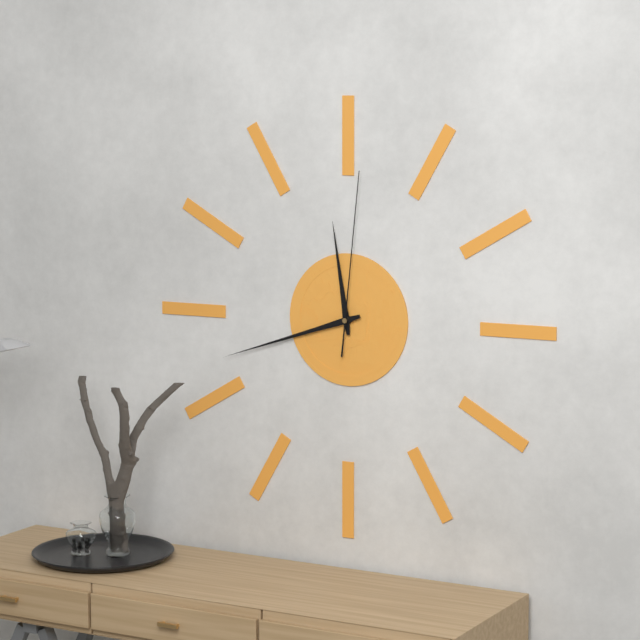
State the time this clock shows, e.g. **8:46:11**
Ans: **11:42:01**
